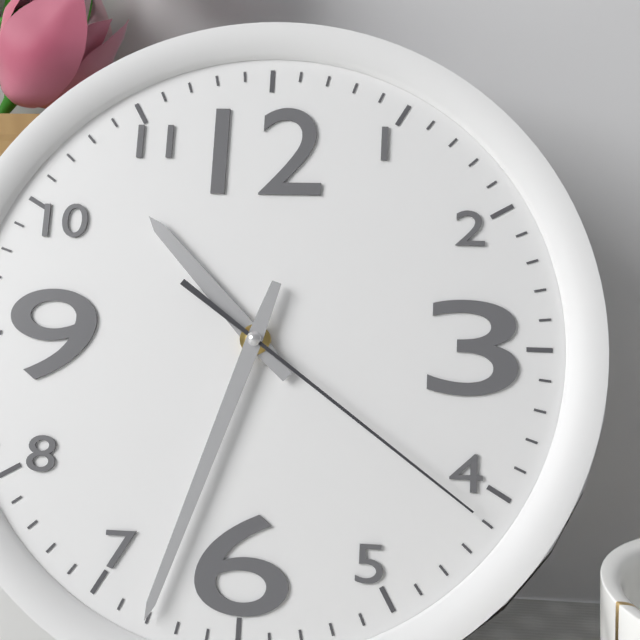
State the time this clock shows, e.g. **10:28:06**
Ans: **10:33:21**
